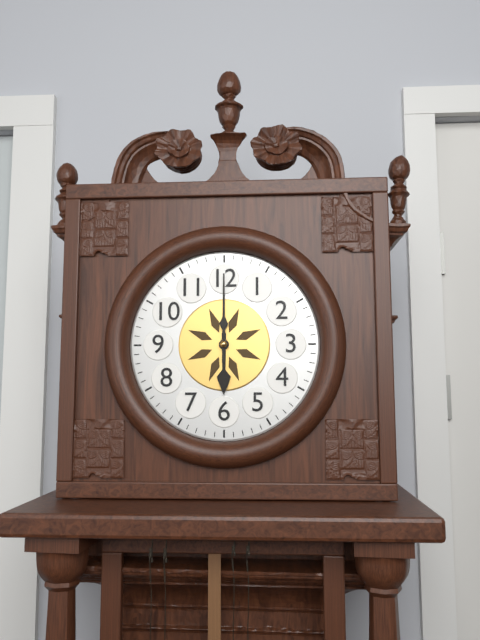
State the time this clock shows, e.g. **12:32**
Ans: **6:00**
